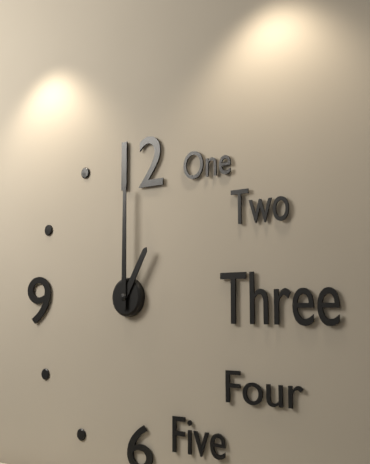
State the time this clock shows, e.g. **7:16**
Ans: **1:00**
